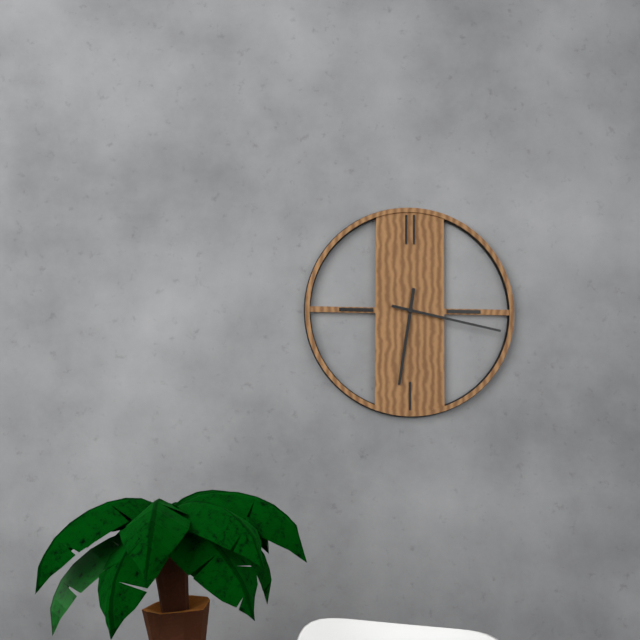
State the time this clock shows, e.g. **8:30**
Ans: **6:17**
